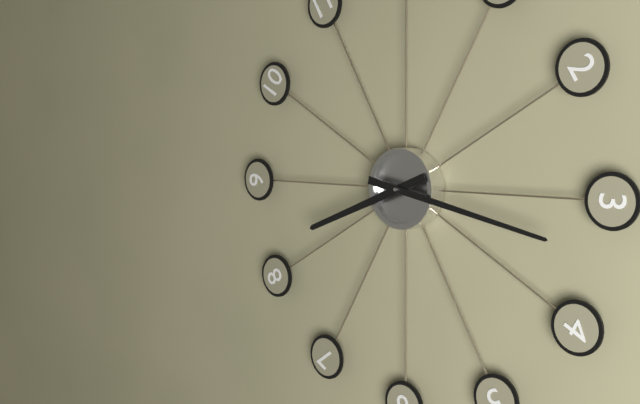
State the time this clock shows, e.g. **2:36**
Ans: **8:17**
